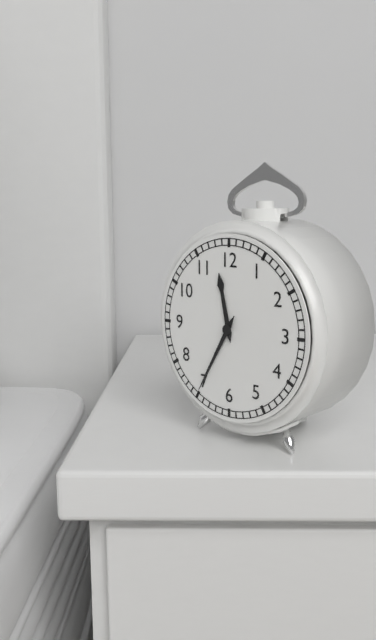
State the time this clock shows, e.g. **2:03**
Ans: **11:35**
